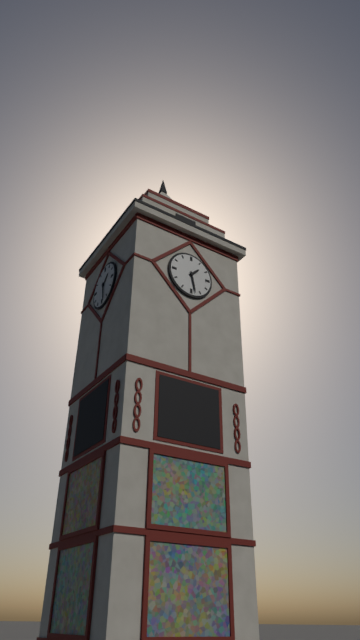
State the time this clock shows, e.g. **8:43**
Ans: **1:28**
